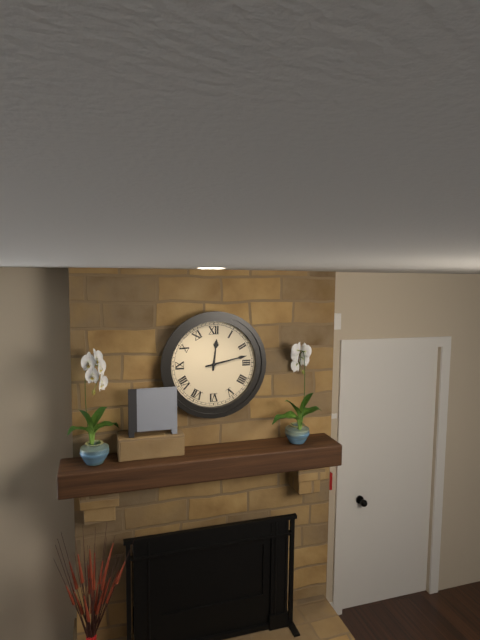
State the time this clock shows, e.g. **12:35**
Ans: **12:13**
